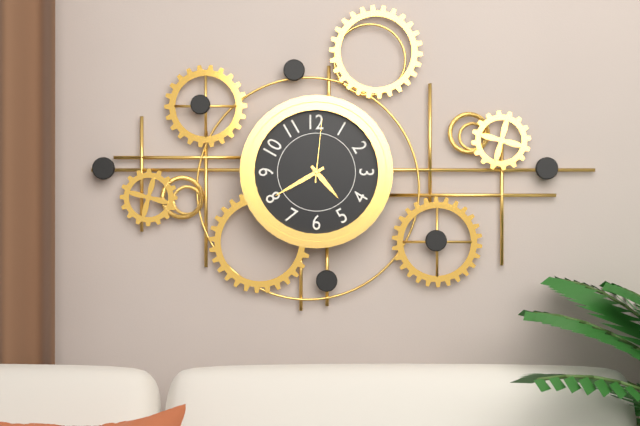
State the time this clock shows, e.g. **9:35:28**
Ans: **4:40:01**
